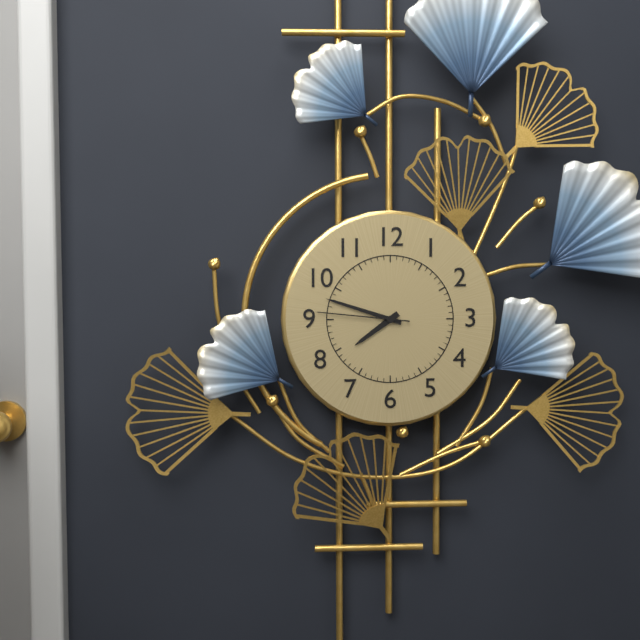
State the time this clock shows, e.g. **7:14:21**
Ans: **7:48:46**
